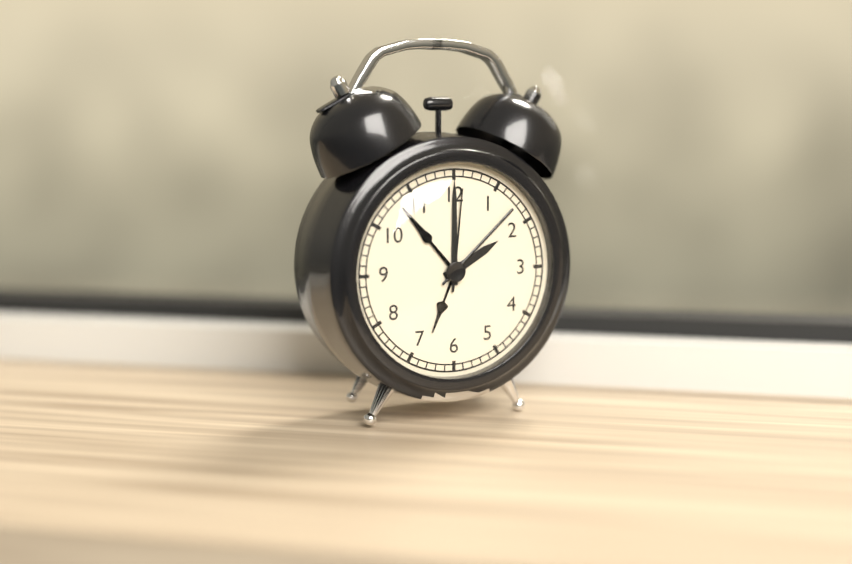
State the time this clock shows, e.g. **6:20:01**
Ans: **2:00:01**
